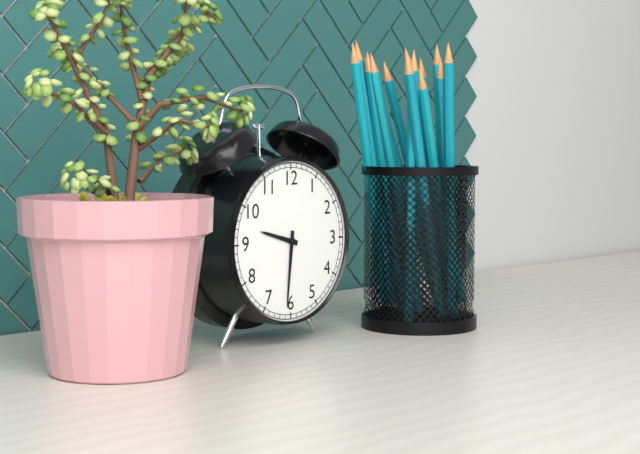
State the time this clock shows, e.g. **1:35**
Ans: **9:31**
